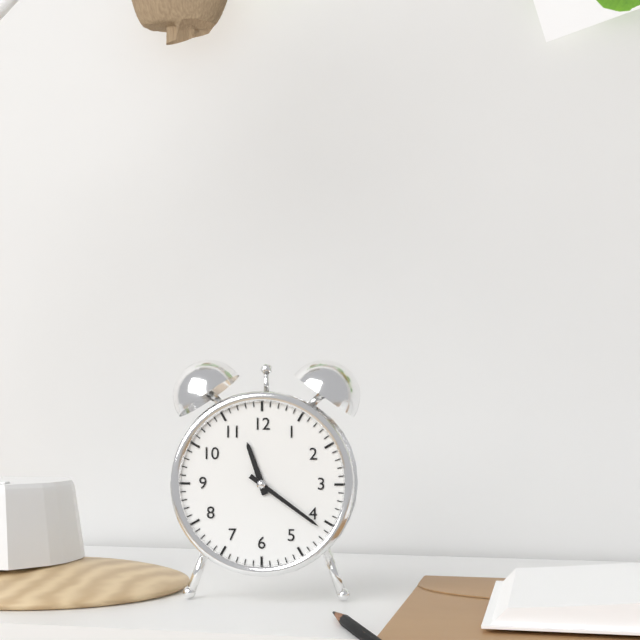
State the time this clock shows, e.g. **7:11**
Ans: **11:21**
